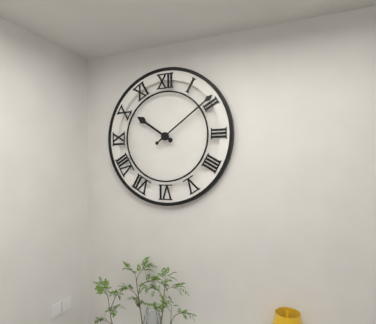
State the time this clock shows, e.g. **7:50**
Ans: **10:09**
